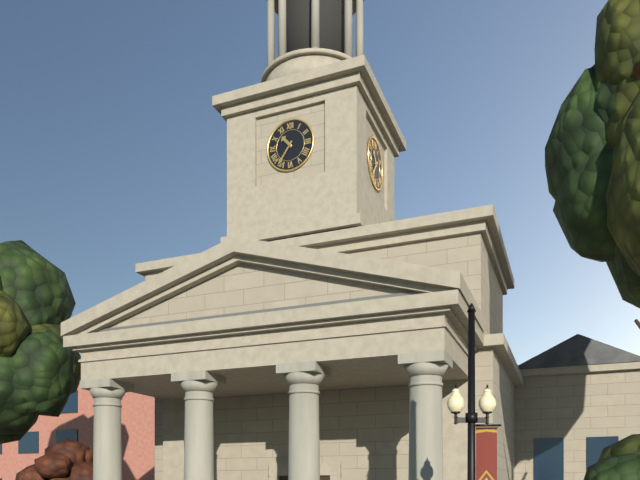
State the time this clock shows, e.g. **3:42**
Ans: **10:36**
